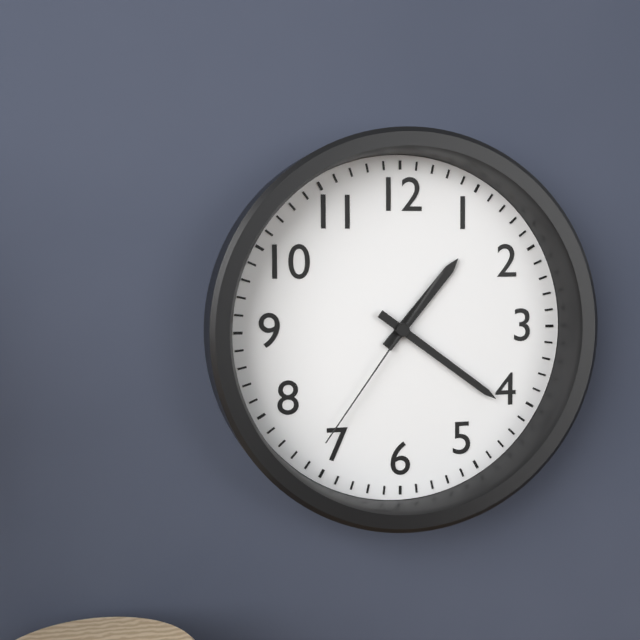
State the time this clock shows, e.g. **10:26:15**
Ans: **1:21:36**
